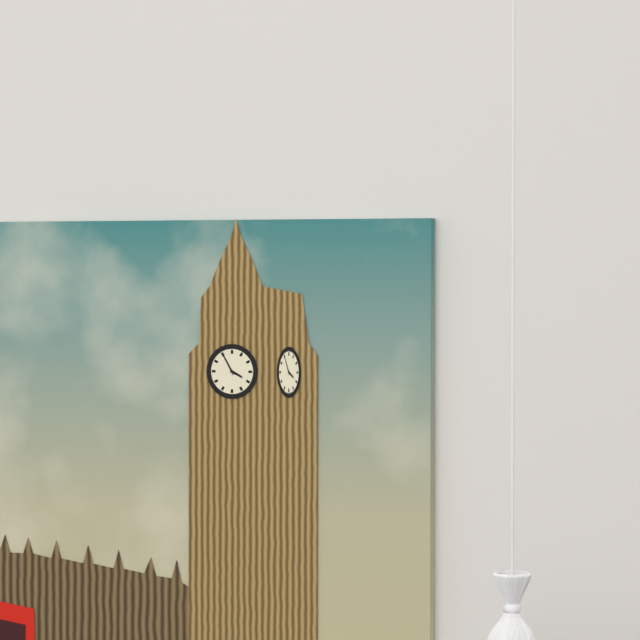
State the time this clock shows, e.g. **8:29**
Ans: **3:55**
